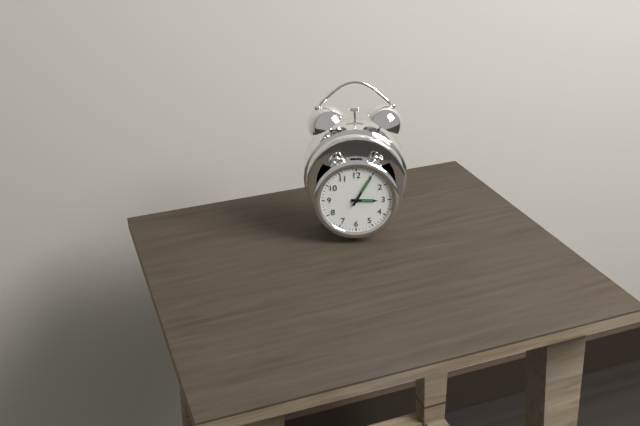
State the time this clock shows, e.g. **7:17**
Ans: **3:05**
